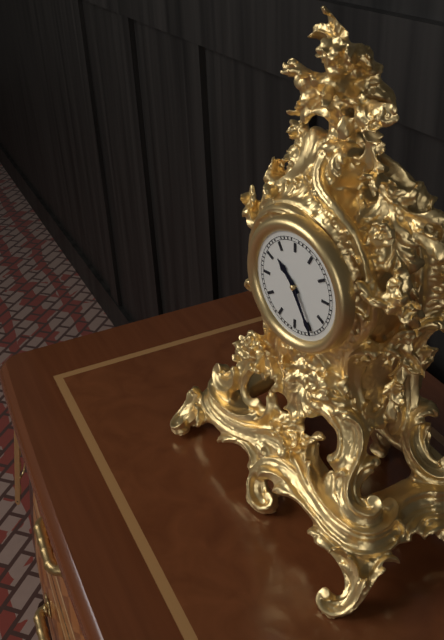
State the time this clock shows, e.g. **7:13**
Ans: **10:25**
